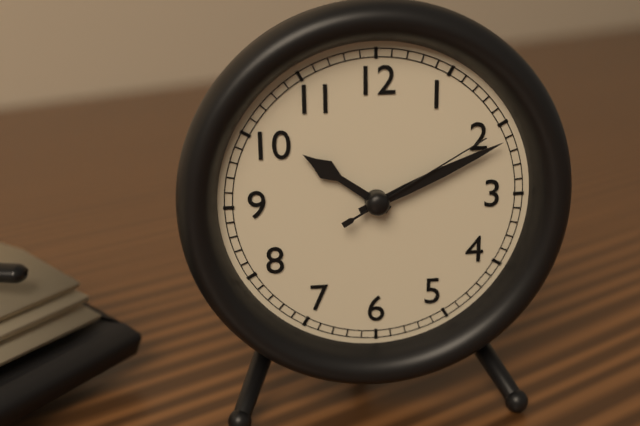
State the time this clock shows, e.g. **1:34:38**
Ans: **10:11:10**
